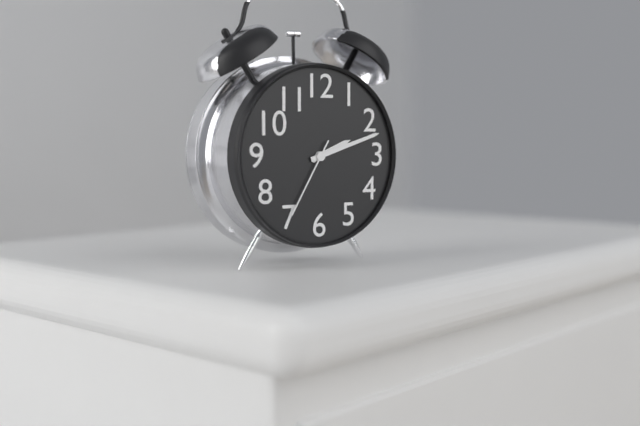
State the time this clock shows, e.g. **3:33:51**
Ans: **2:12:35**
